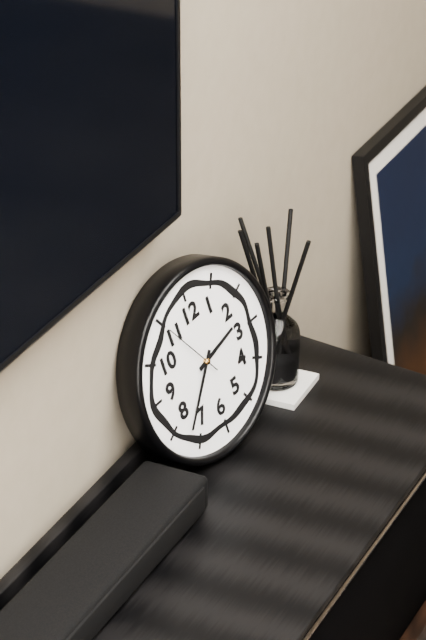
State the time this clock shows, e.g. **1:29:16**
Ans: **2:37:55**
